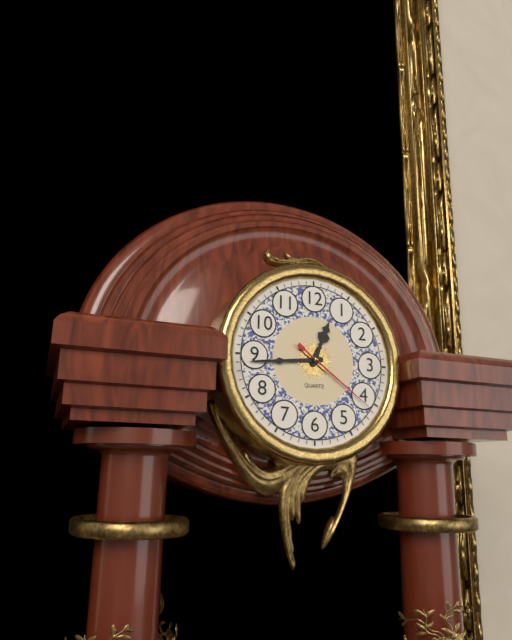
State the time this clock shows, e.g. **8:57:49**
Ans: **12:44:21**
